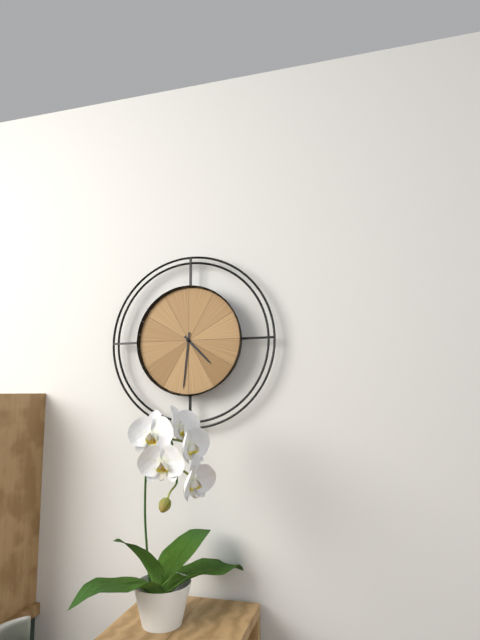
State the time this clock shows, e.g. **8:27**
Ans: **4:31**
